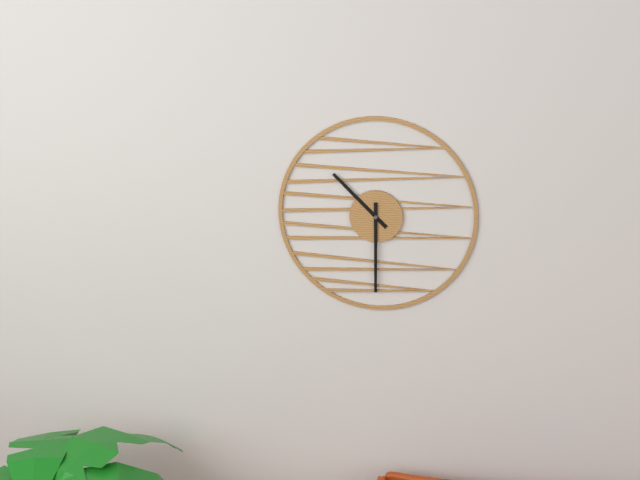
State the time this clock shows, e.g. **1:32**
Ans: **10:30**
